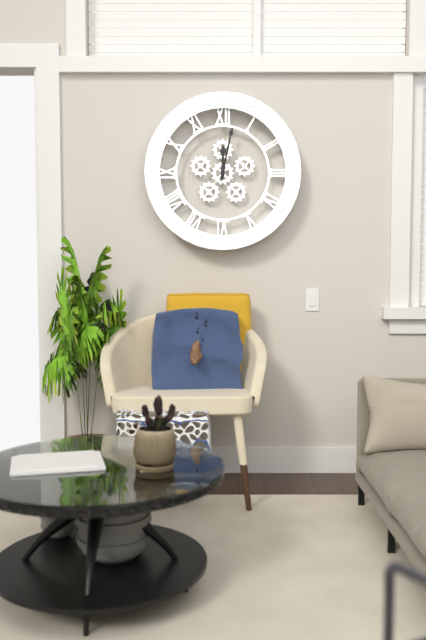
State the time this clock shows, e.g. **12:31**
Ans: **12:02**
